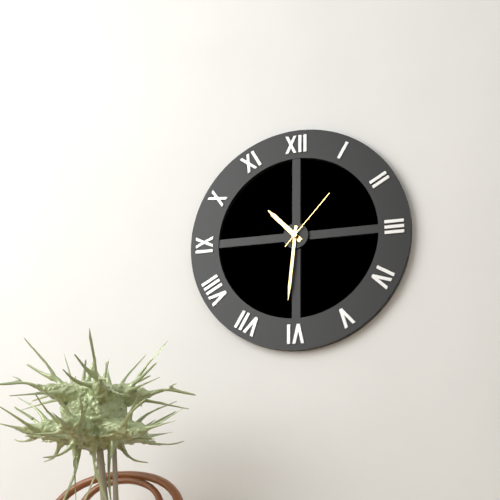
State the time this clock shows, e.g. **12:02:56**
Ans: **10:31:07**
